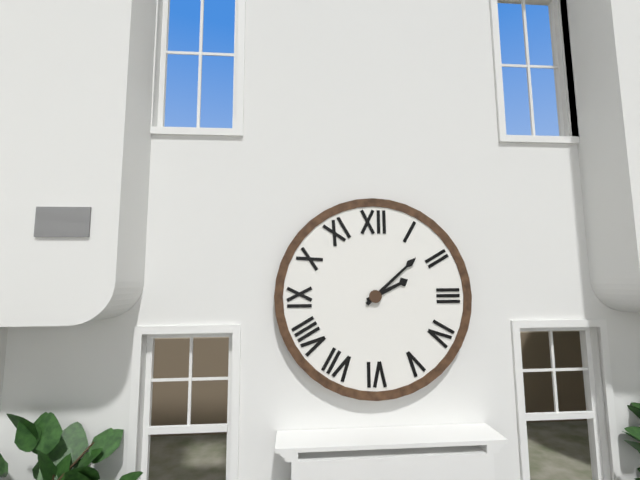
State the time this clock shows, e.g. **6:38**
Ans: **2:08**
